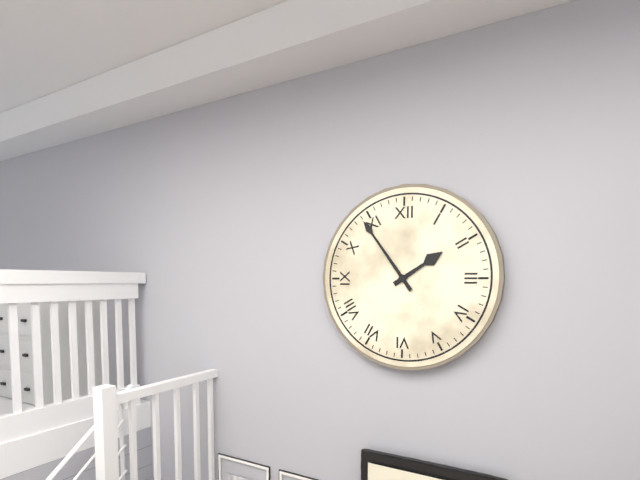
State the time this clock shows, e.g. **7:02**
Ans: **1:54**
